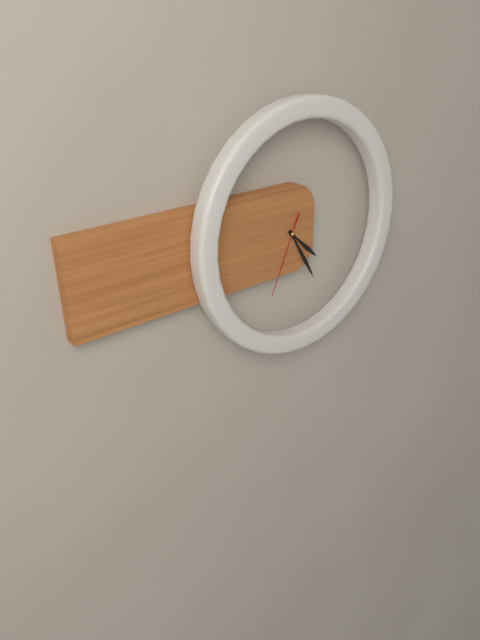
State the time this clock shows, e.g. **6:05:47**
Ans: **4:25:34**
